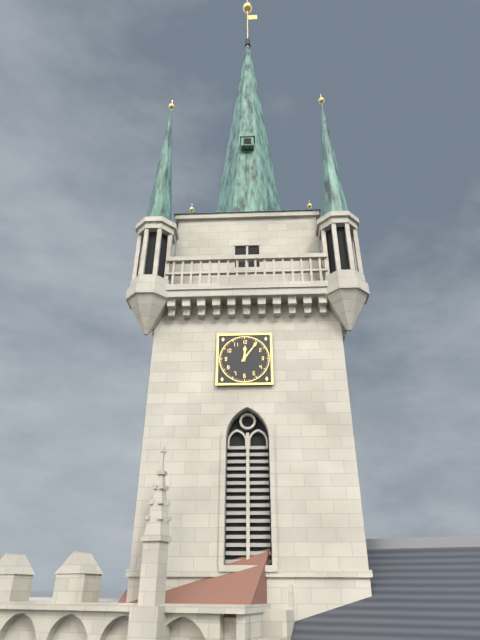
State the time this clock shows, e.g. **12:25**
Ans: **12:06**
